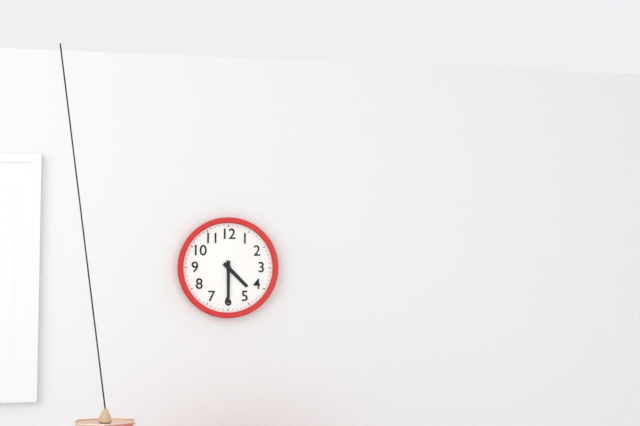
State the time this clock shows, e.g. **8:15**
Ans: **4:30**
